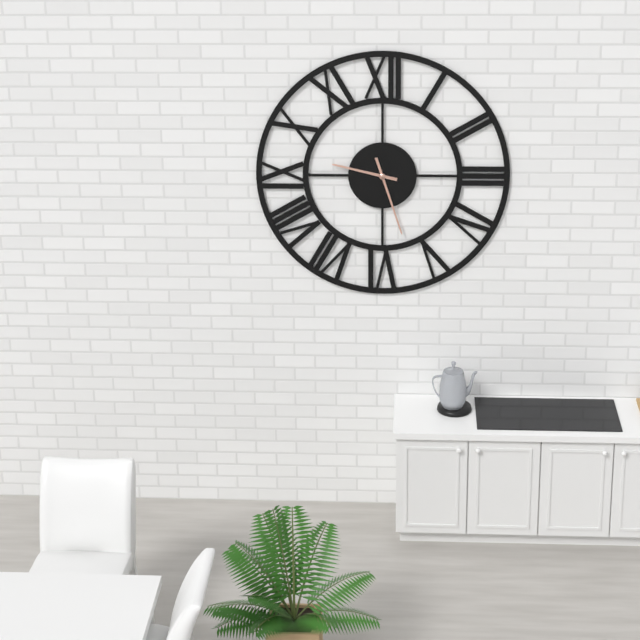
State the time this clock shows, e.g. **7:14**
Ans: **9:27**
